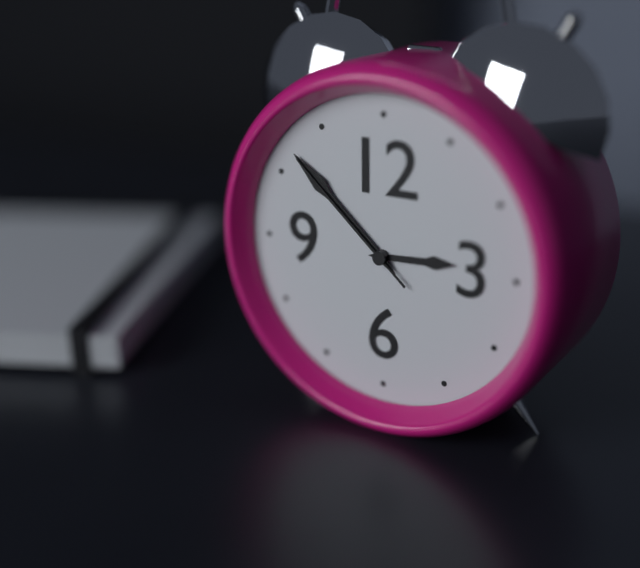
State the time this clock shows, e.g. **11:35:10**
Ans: **2:52:52**
